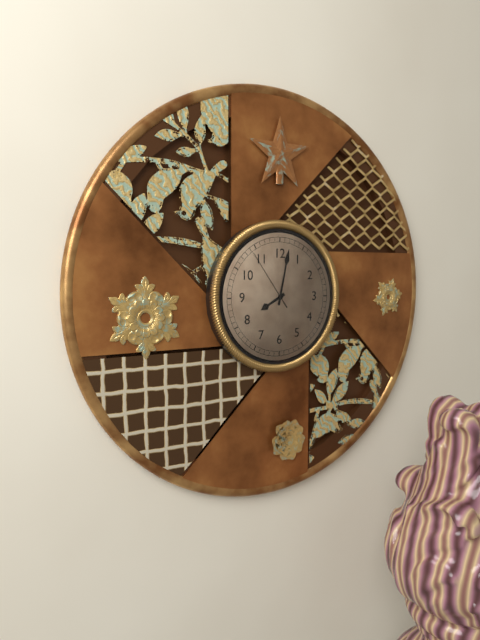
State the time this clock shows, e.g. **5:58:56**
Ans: **8:02:54**
